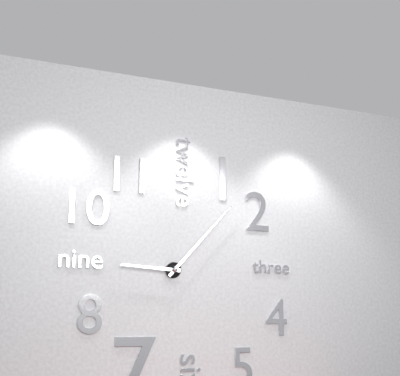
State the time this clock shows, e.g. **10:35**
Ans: **9:07**
